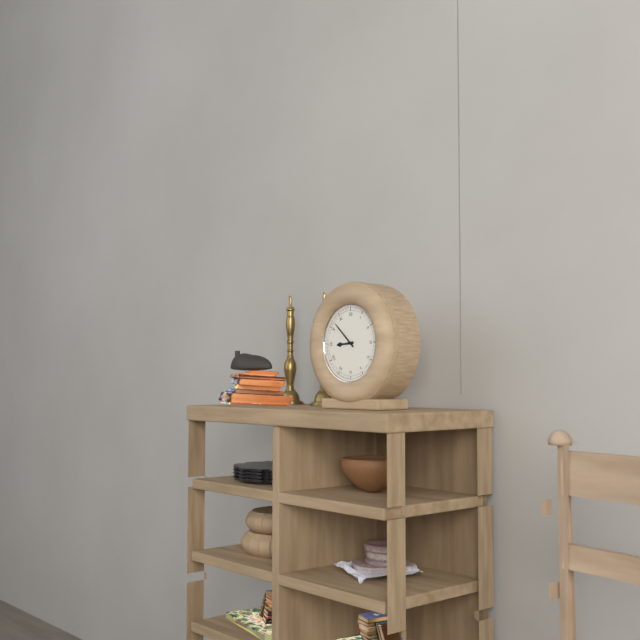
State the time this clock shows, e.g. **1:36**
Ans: **8:52**
